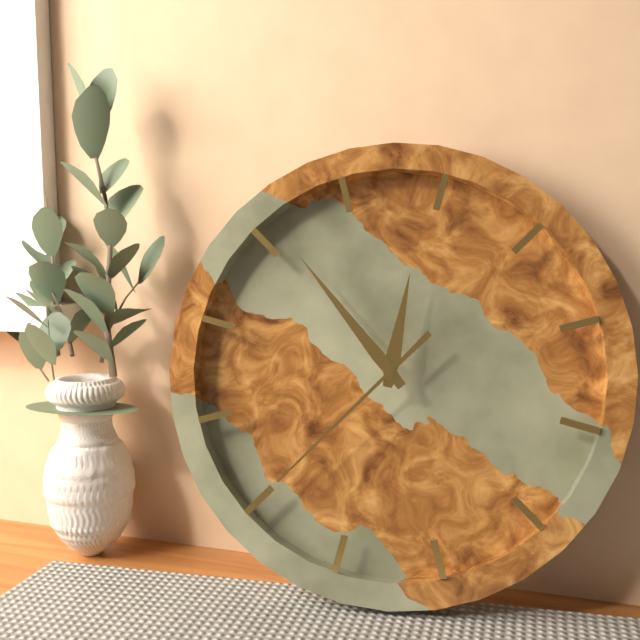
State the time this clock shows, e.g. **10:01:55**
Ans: **11:51:35**
